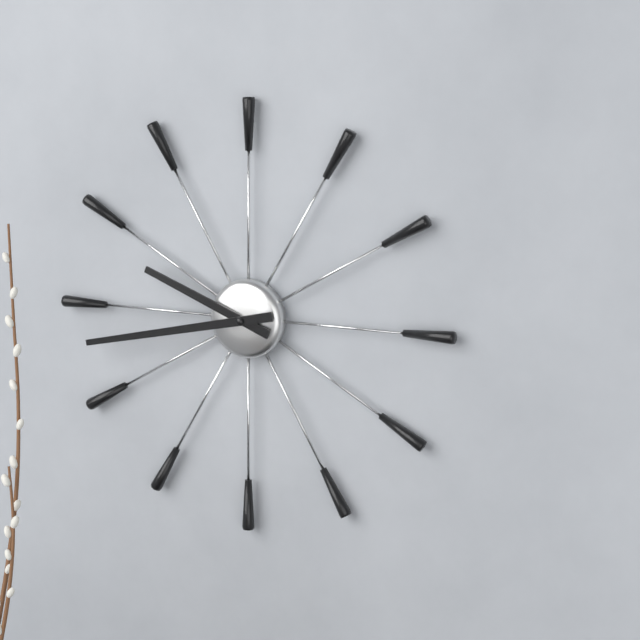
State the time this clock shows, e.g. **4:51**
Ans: **9:43**
